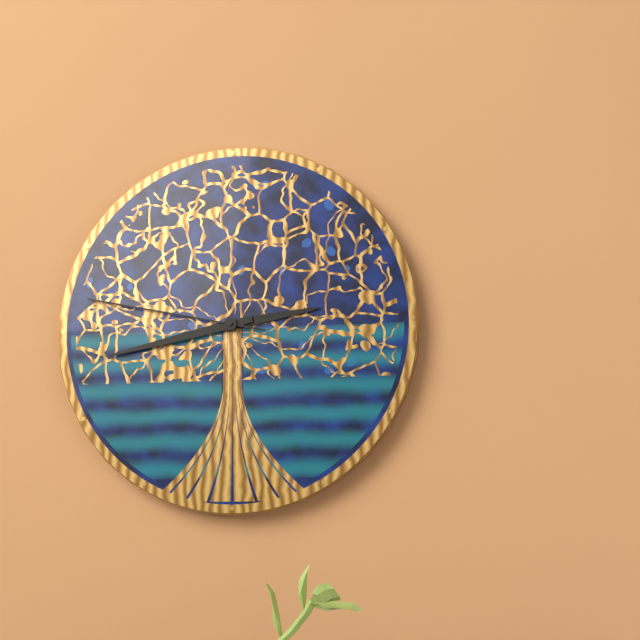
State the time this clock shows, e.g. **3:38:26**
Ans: **2:43:47**
